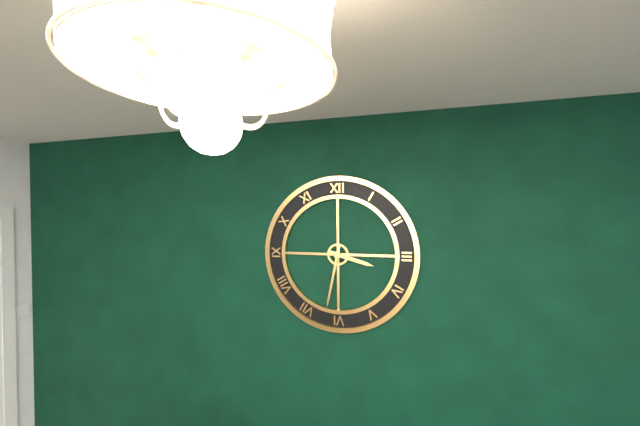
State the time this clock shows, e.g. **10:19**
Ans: **3:32**
